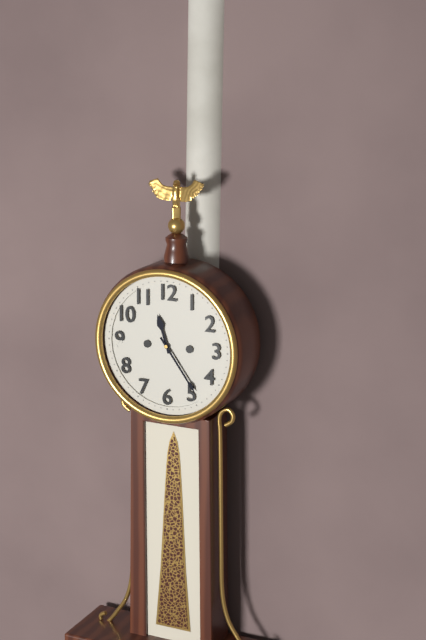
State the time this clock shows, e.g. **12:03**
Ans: **11:24**
